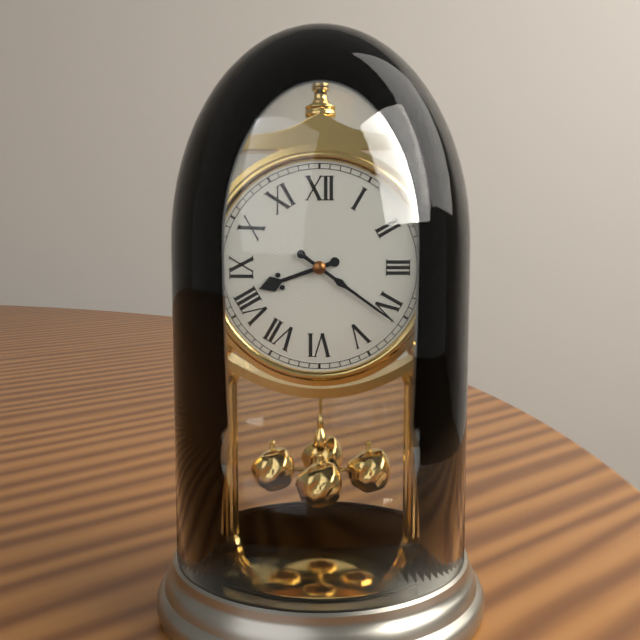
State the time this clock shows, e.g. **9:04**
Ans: **8:21**
